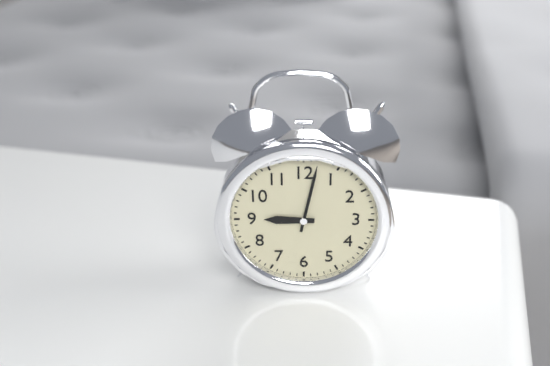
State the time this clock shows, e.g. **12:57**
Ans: **9:02**
